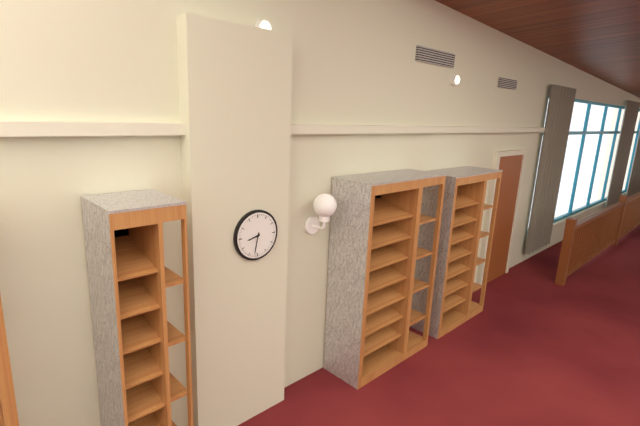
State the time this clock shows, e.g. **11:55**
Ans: **8:32**
